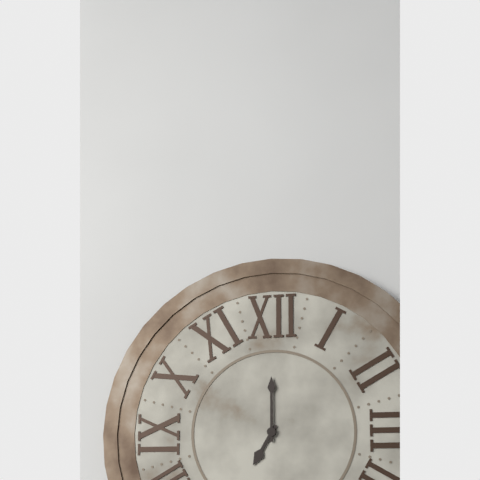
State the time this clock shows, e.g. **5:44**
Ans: **7:00**
